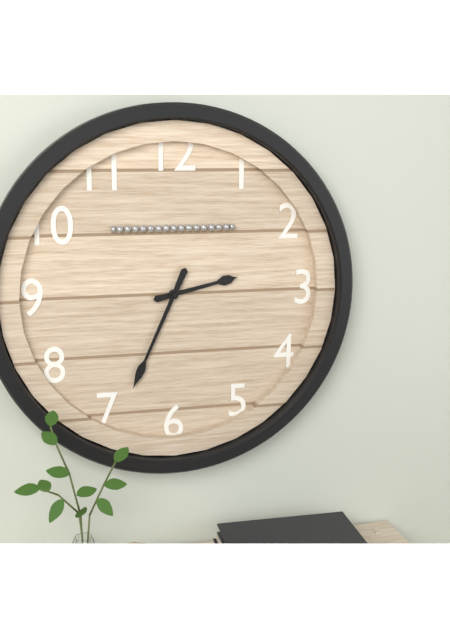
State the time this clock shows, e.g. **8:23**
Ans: **2:34**
